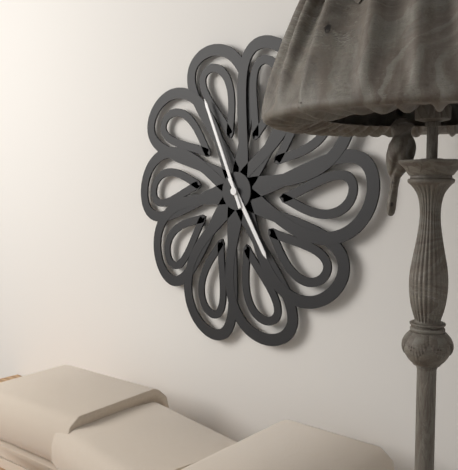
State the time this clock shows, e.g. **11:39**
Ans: **4:56**
